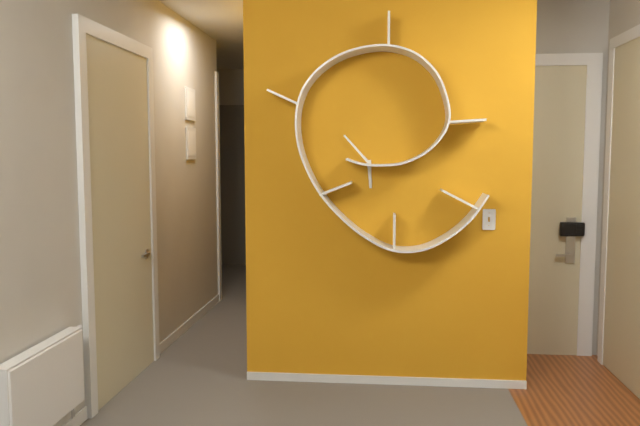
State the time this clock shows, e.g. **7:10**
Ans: **5:53**
